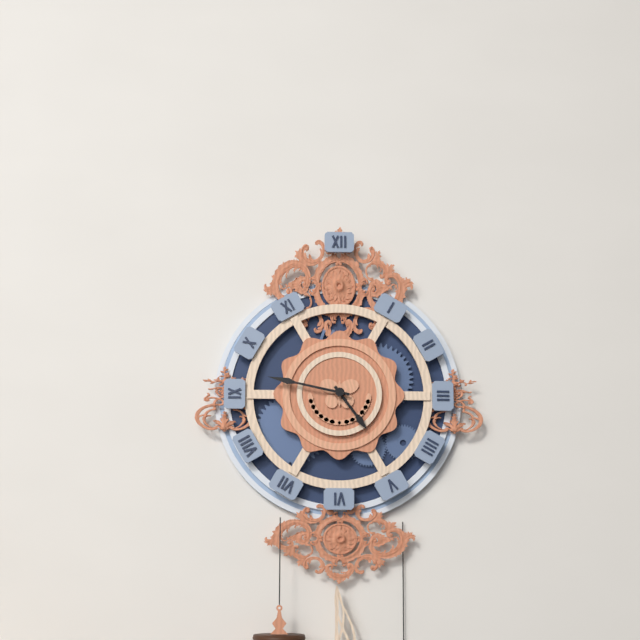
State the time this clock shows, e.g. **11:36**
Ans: **4:47**
